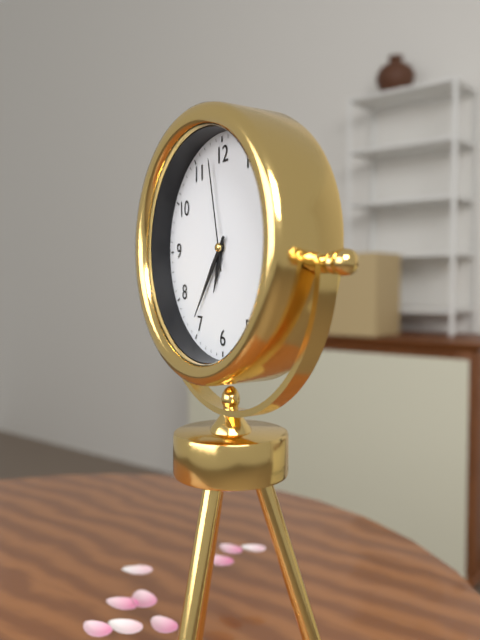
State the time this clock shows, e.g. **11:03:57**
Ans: **6:36:58**
